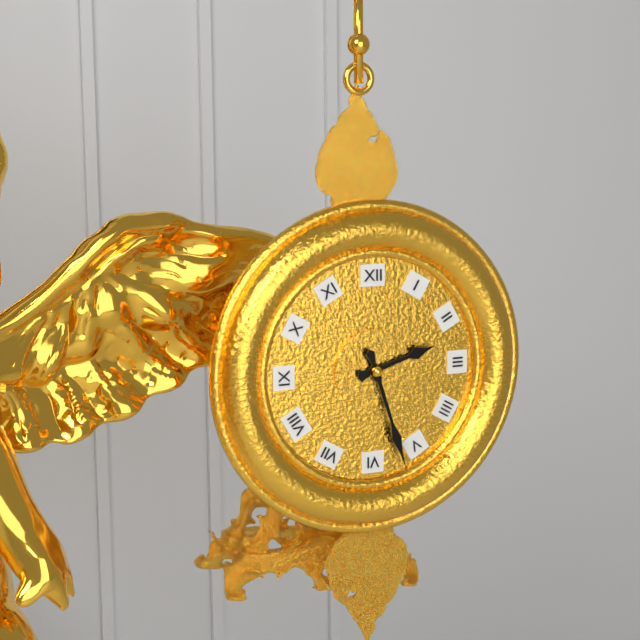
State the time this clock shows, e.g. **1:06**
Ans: **2:27**
